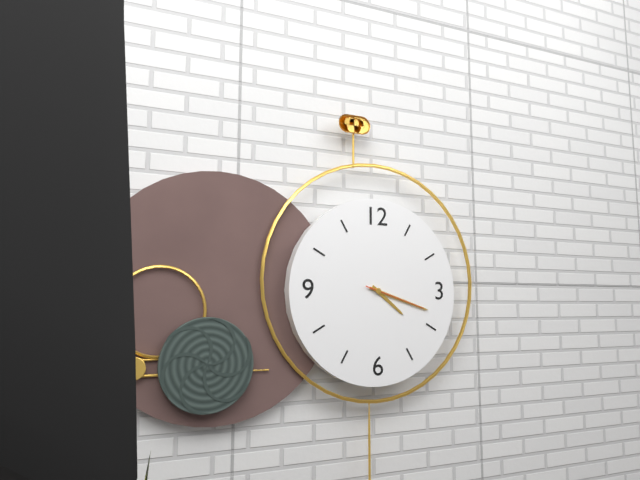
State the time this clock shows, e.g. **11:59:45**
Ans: **4:18:18**
